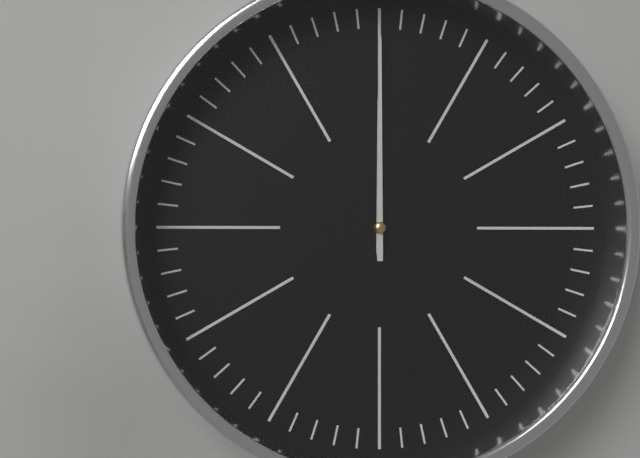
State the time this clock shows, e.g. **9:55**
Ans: **12:00**
